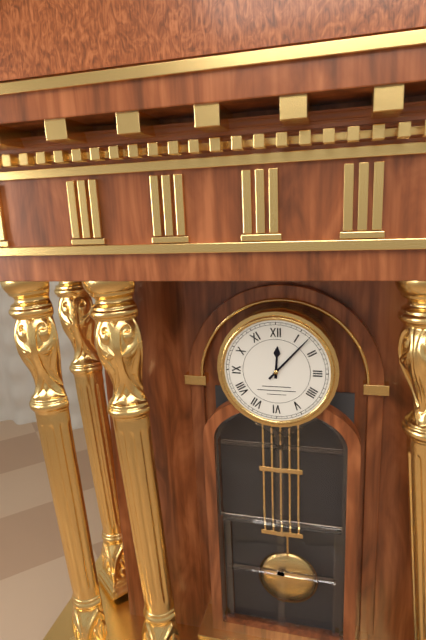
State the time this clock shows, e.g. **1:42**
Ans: **12:07**
